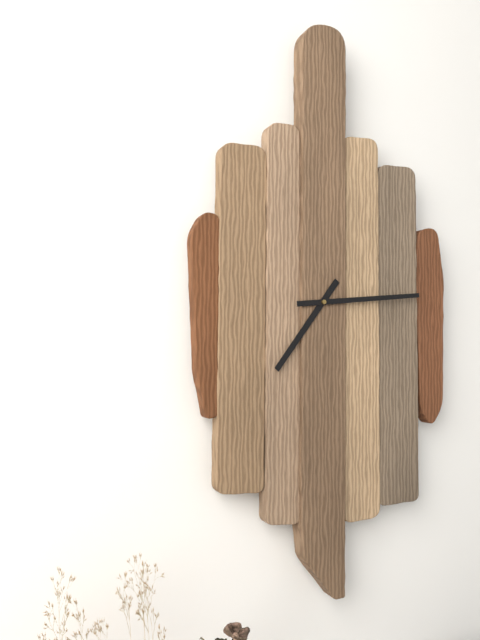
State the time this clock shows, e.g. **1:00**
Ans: **7:14**
